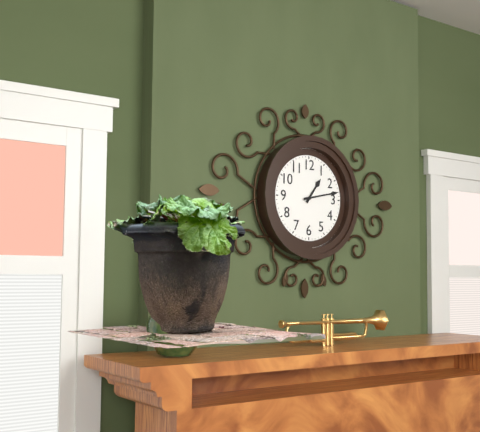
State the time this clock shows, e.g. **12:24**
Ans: **1:13**
